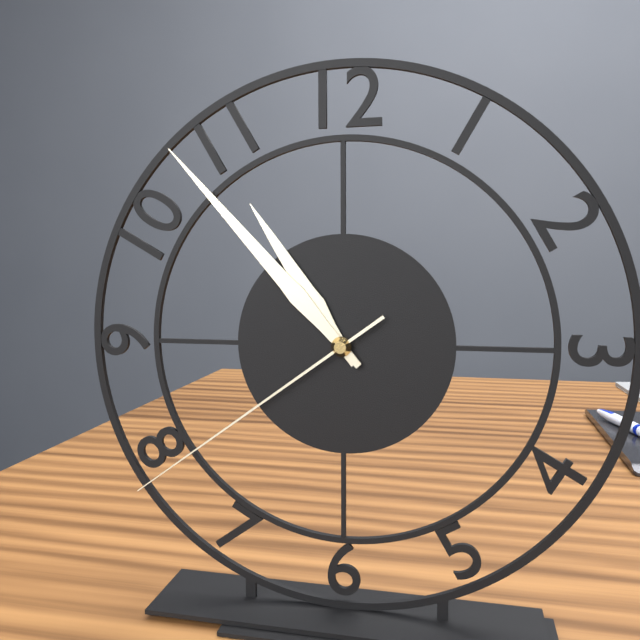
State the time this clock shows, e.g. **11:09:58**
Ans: **10:53:39**
